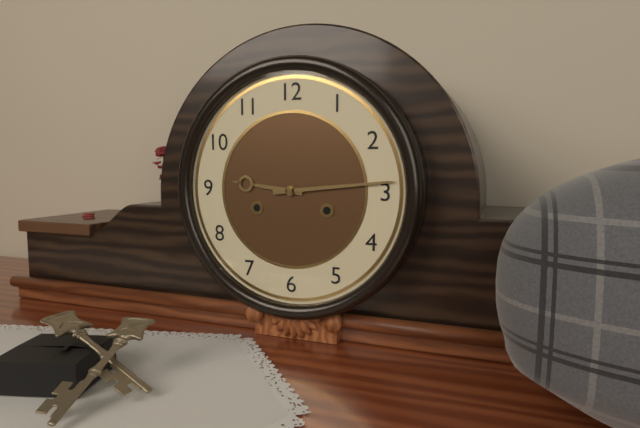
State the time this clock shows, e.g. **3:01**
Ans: **9:14**
